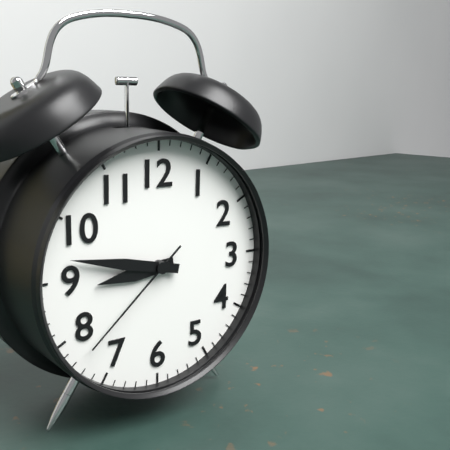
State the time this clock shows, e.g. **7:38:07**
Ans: **8:47:38**
